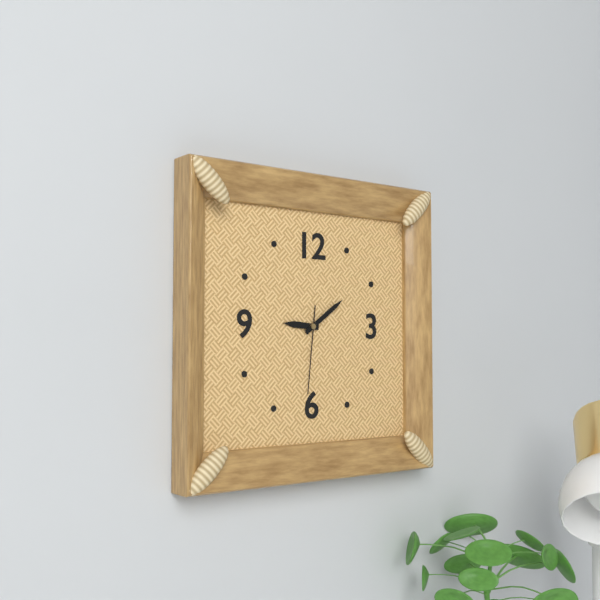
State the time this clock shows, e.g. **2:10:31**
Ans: **9:09:31**
